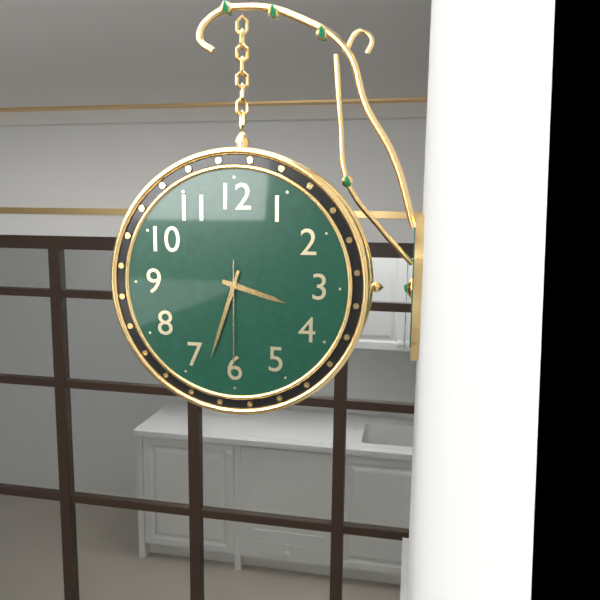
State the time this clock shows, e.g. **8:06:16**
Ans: **3:33:30**
